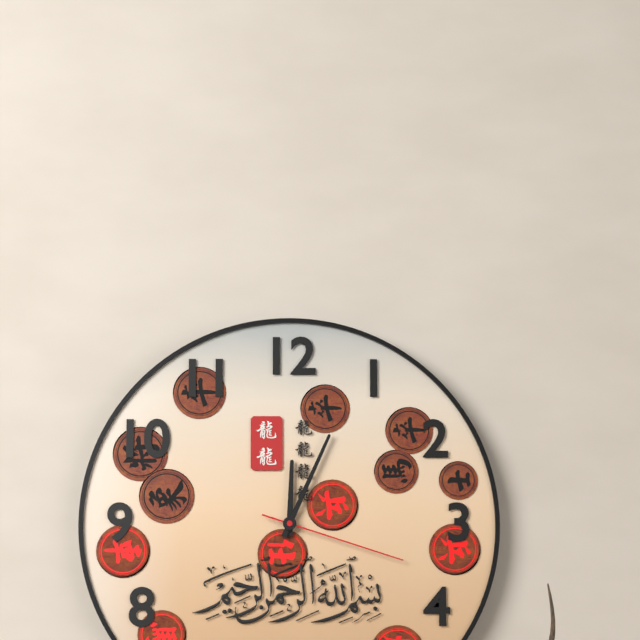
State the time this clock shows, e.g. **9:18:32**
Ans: **12:04:18**
